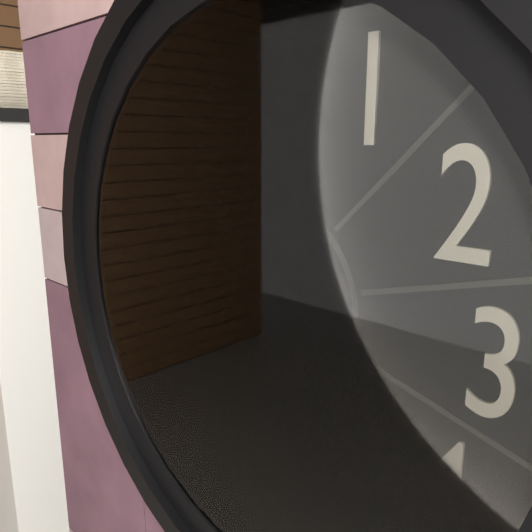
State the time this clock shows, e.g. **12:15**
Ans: **4:29**
